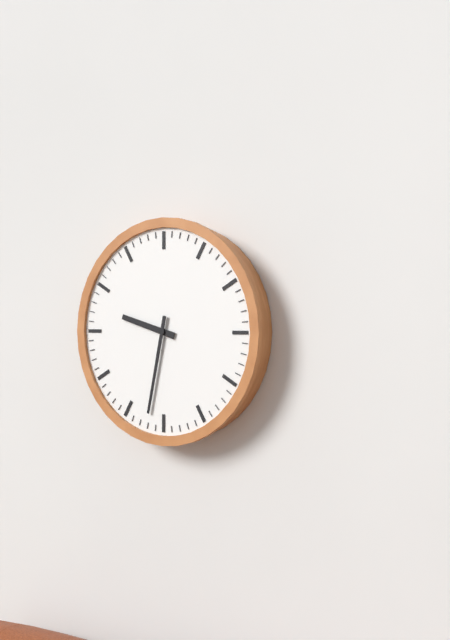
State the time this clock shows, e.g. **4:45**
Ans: **9:32**
